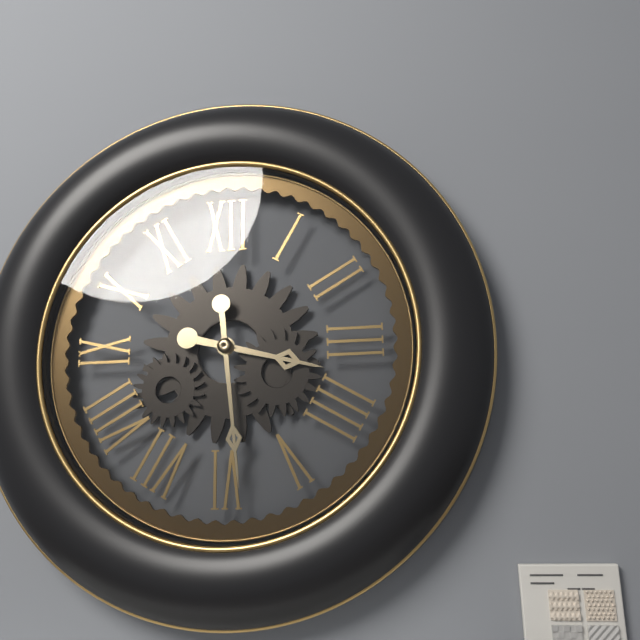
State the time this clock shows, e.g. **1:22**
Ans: **3:29**
